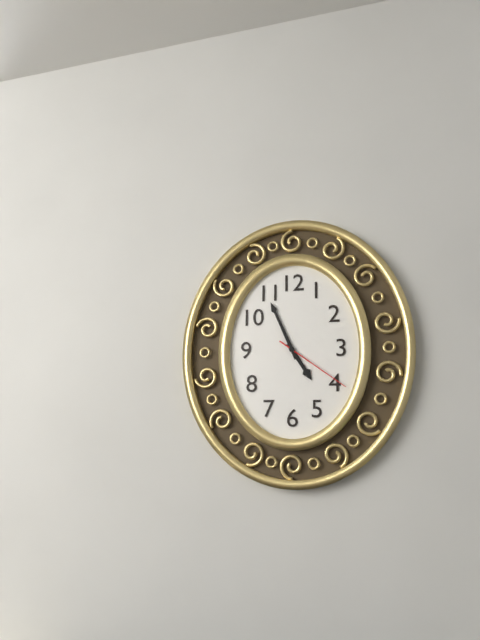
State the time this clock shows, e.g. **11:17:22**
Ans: **4:56:21**
